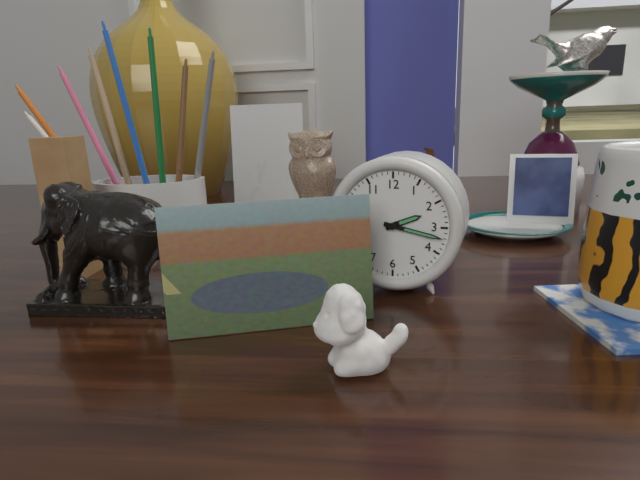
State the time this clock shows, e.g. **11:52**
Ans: **2:17**
